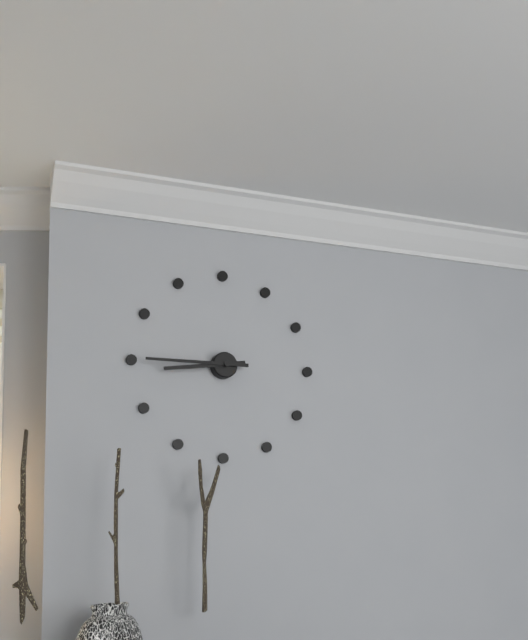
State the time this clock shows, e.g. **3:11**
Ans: **8:45**
